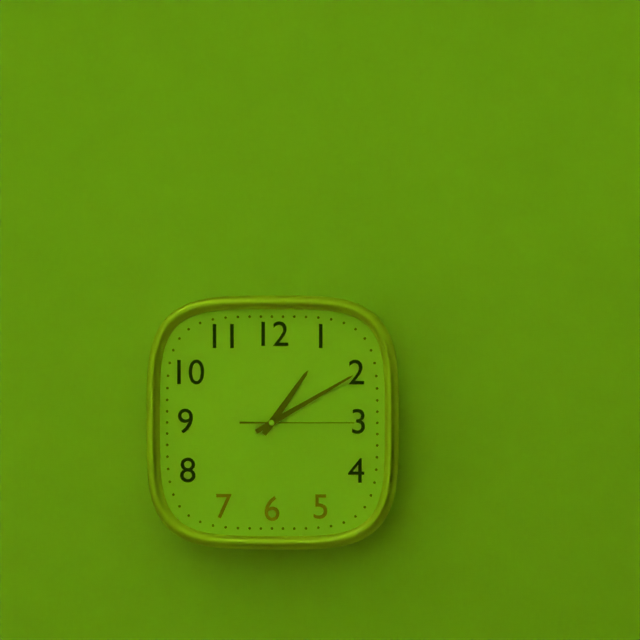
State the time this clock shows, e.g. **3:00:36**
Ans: **1:10:15**
